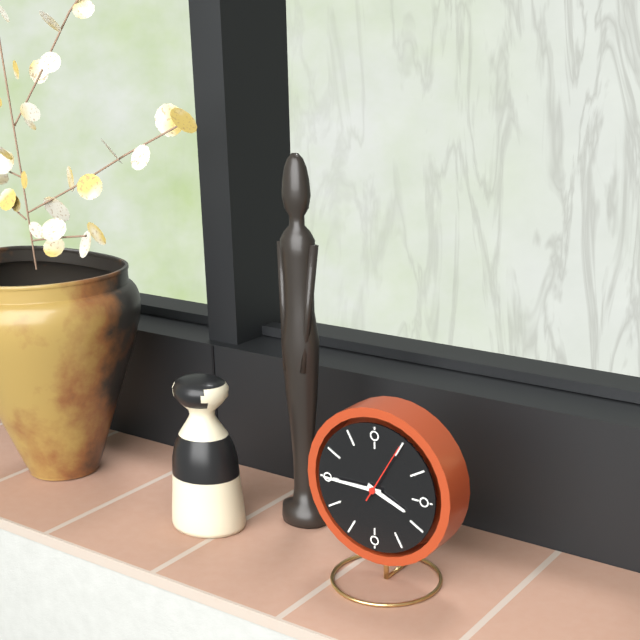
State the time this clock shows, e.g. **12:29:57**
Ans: **3:45:05**
